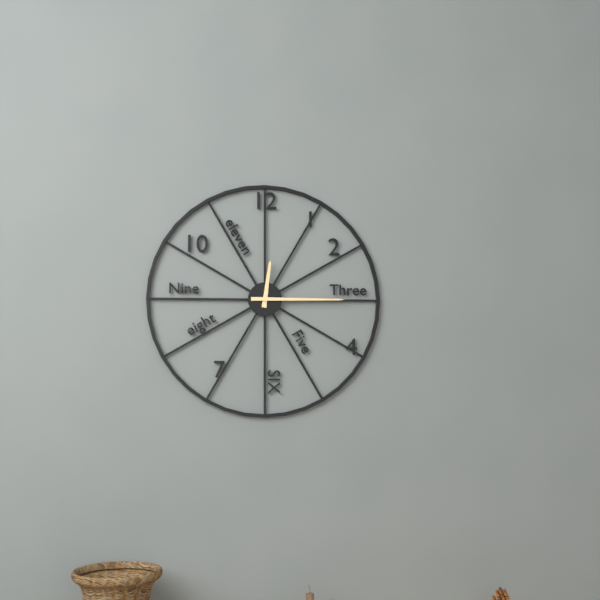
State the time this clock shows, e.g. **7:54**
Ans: **12:15**
